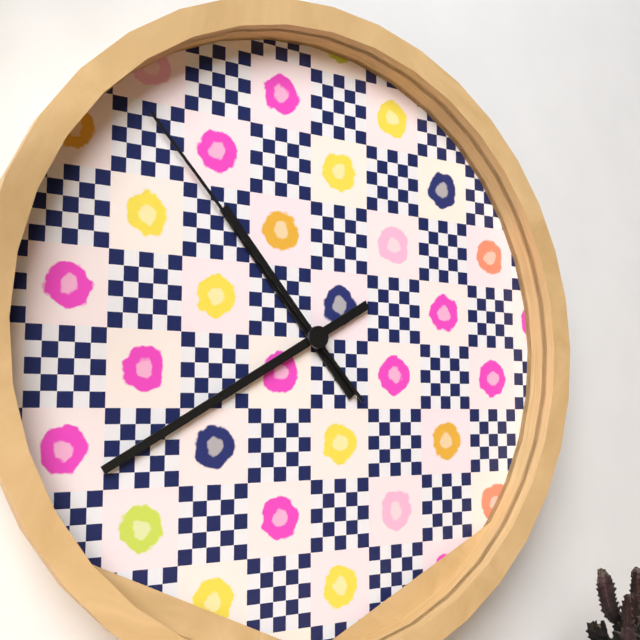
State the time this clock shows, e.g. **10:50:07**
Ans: **10:40:53**
